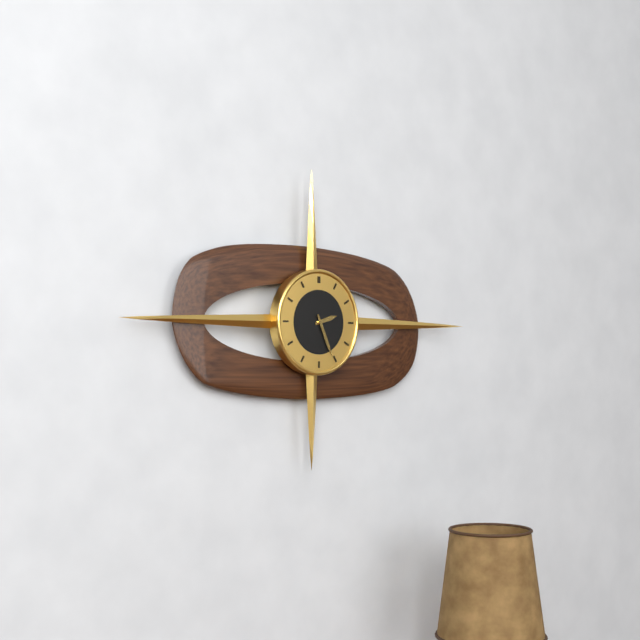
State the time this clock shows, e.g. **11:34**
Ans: **2:26**
